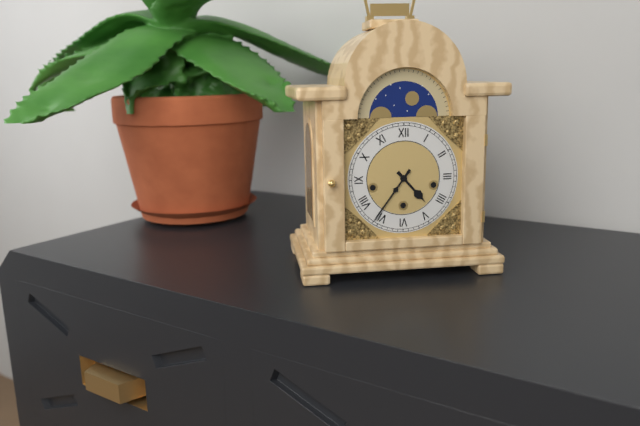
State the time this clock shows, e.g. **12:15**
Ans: **4:36**
